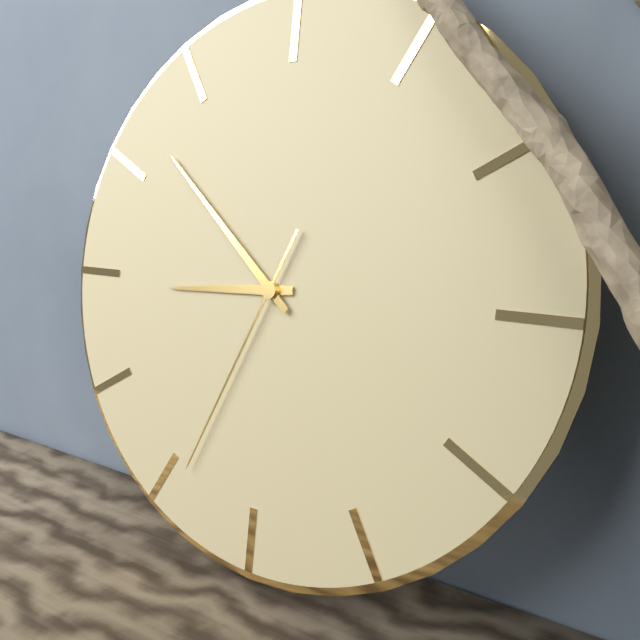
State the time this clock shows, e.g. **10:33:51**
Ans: **8:52:34**
